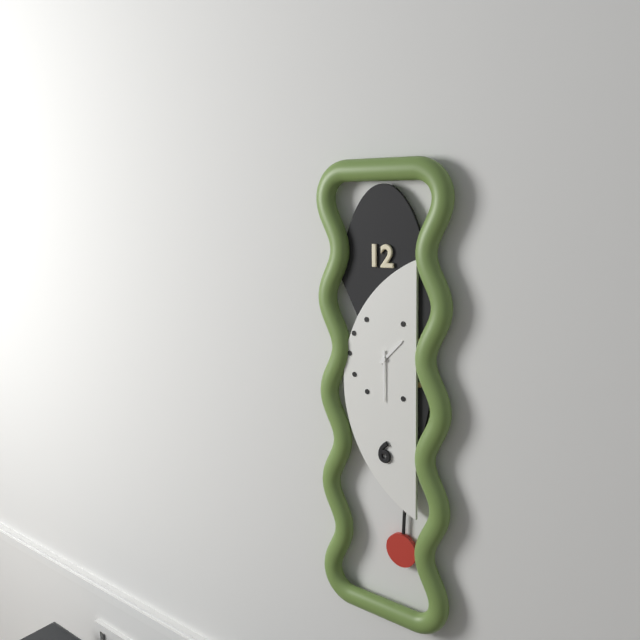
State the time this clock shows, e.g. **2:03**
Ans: **1:30**
